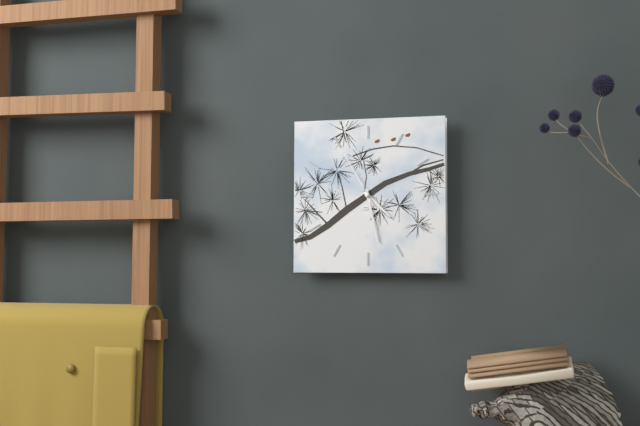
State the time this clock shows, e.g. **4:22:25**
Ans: **4:28:55**
